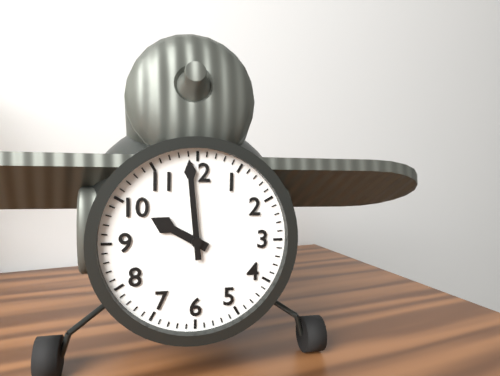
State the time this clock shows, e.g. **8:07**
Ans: **9:59**
